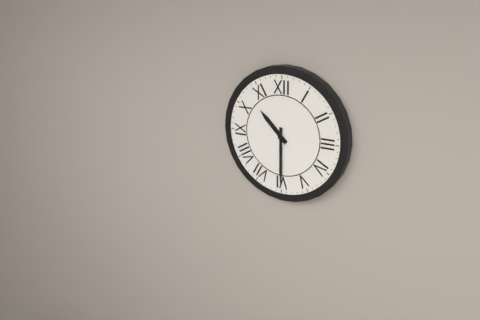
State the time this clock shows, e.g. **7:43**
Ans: **10:30**
